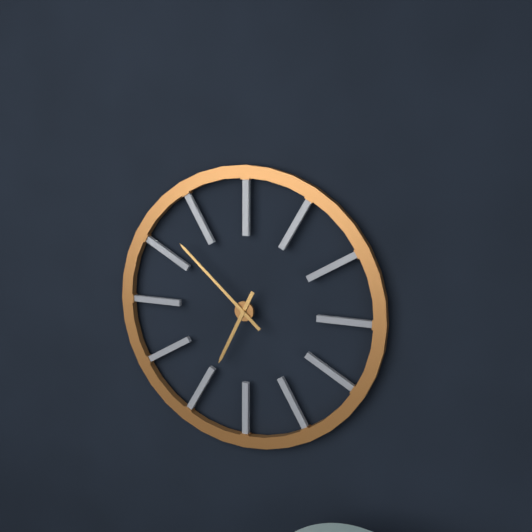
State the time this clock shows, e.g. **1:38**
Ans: **6:52**
